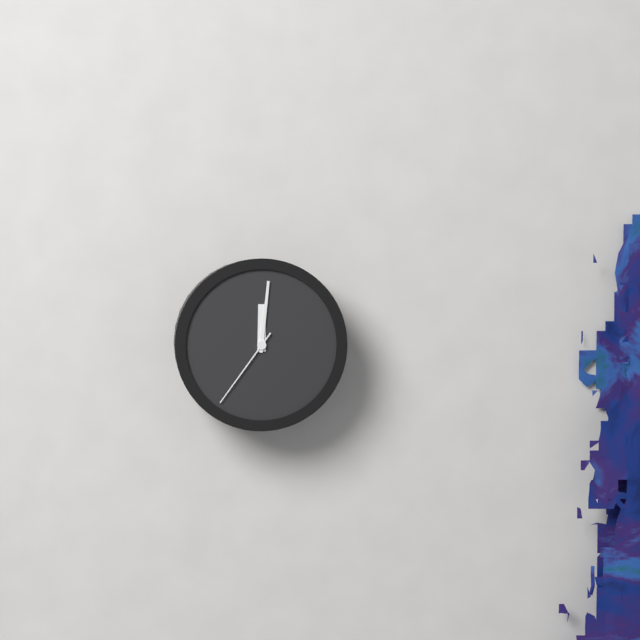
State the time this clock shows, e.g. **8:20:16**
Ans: **12:01:36**
